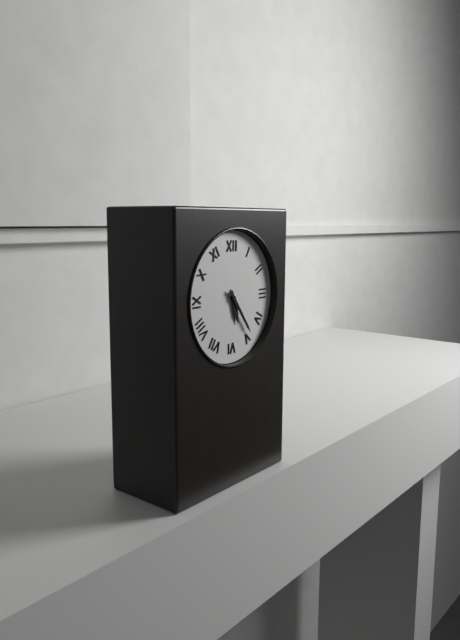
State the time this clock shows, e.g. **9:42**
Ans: **5:24**
